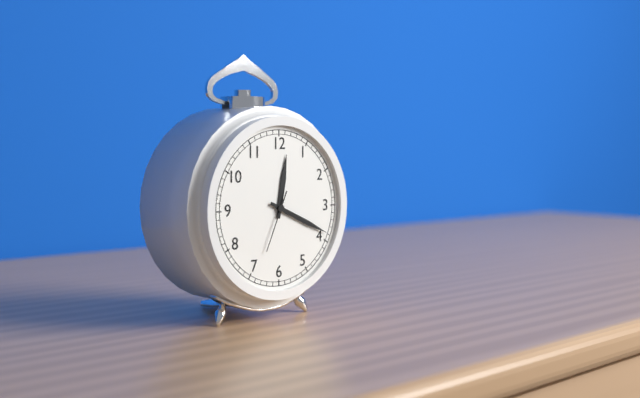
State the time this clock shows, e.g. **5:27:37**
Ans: **12:19:34**
